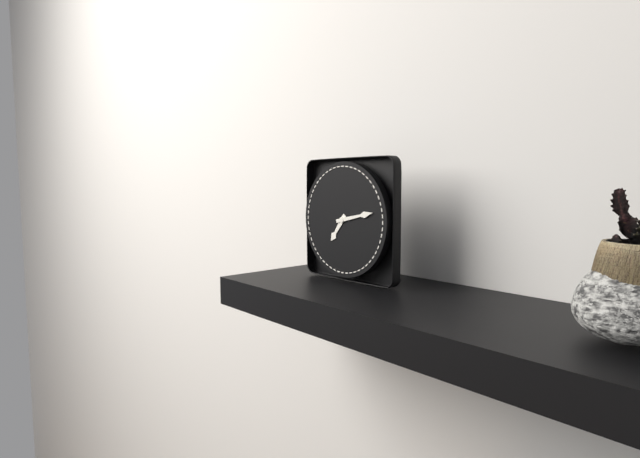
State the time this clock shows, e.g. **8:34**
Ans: **7:13**
